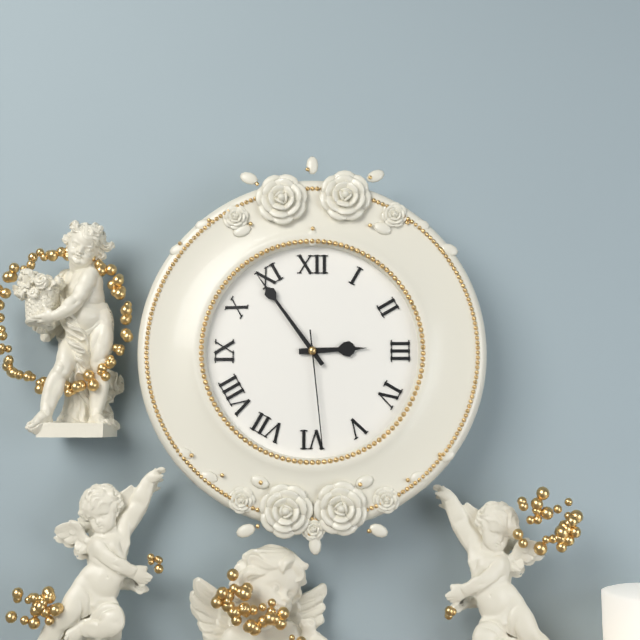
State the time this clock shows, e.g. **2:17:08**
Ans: **2:54:29**
